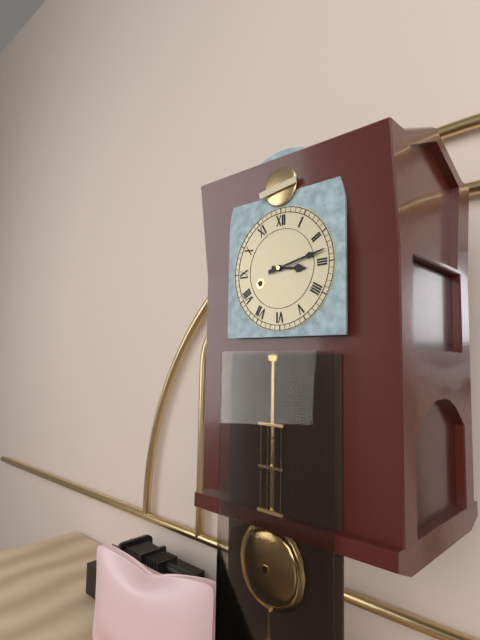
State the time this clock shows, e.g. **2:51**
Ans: **3:13**
